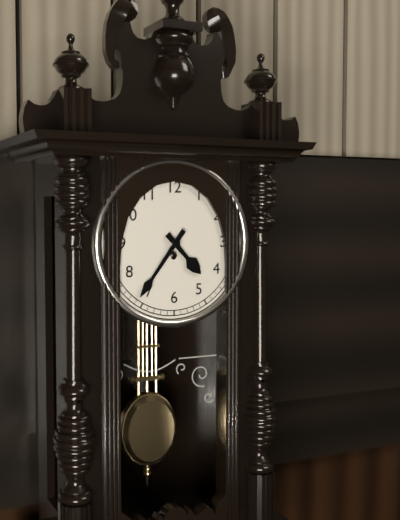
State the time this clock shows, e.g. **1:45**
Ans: **4:36**
